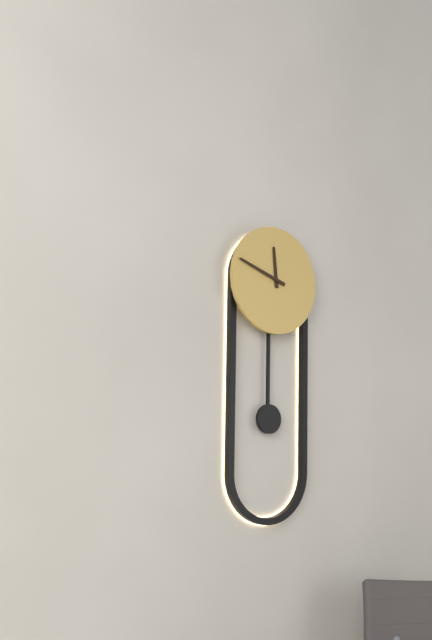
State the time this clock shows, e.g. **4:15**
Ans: **11:48**
